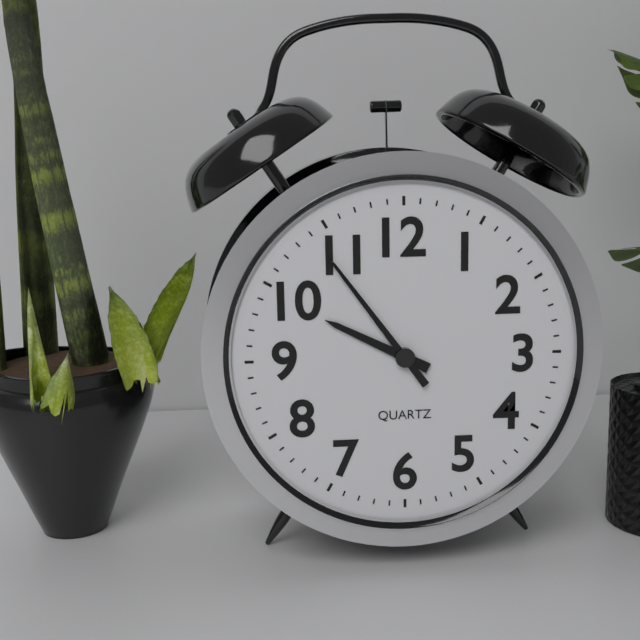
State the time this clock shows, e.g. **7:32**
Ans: **9:54**
